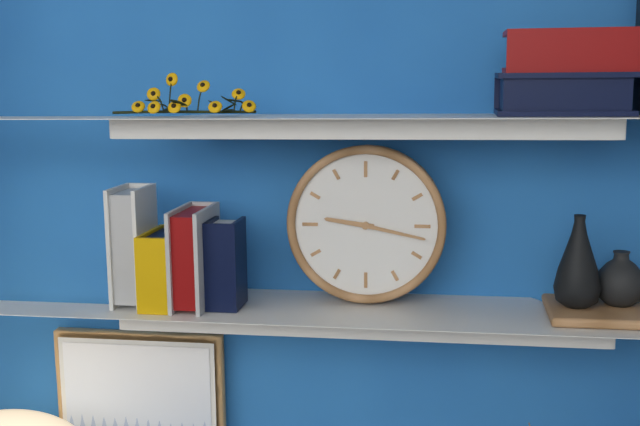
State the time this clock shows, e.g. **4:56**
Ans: **9:17**
